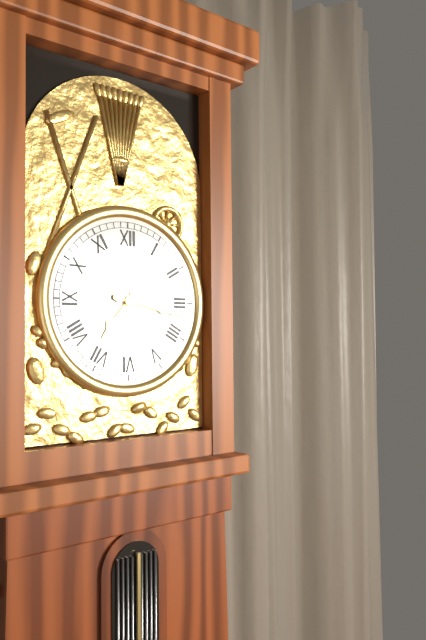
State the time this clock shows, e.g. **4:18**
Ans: **7:17**
